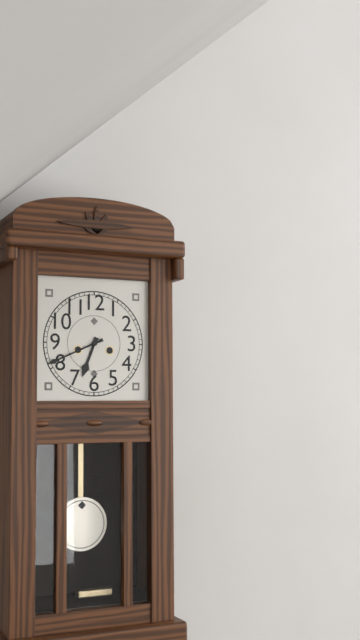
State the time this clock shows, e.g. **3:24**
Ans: **6:41**
